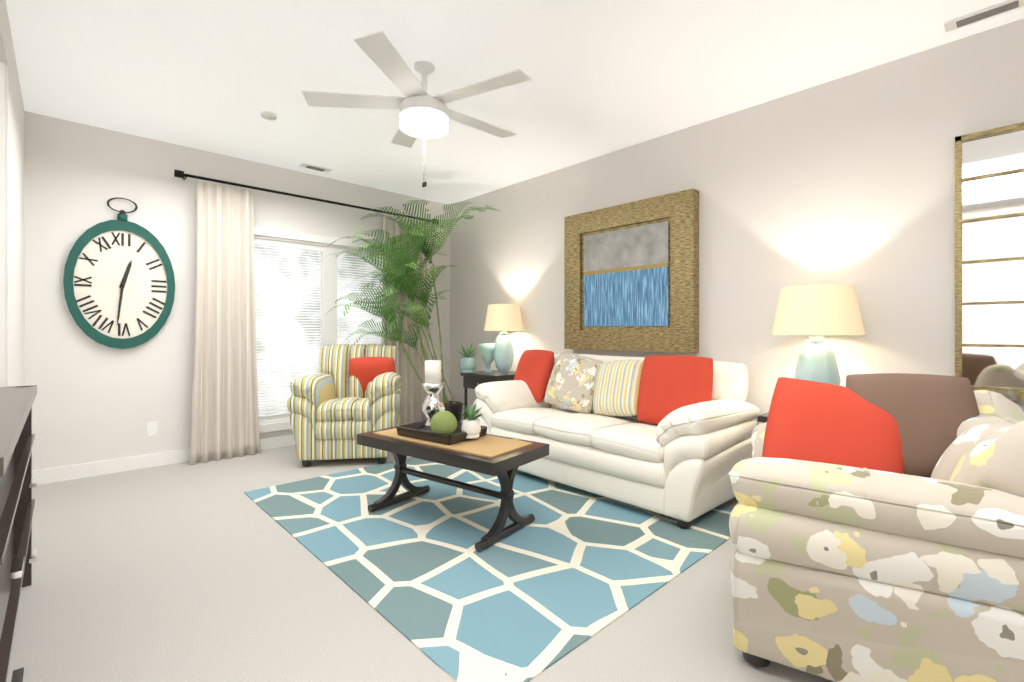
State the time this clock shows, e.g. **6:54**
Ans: **12:31**
